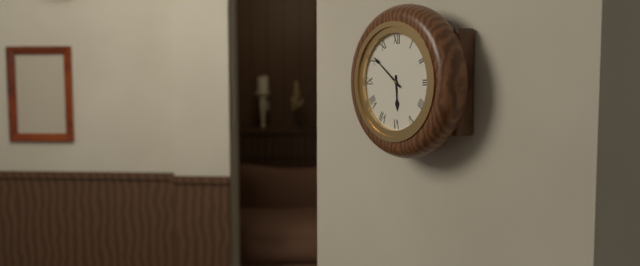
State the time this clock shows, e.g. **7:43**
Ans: **5:51**
